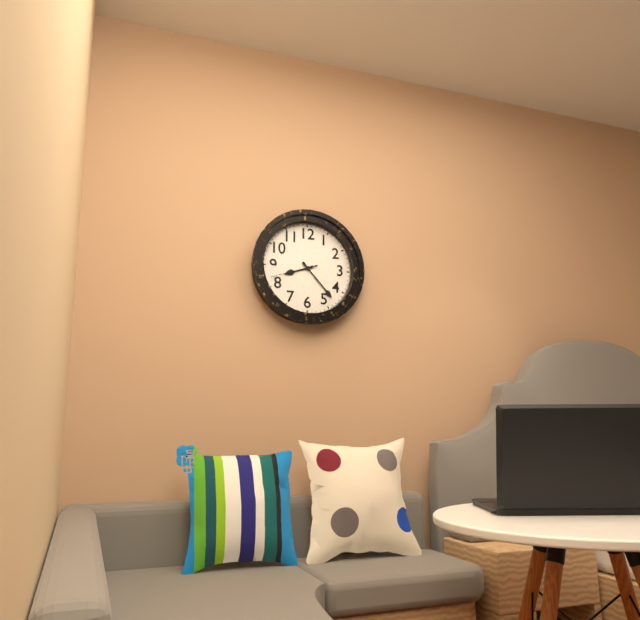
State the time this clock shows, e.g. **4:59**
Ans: **8:23**
